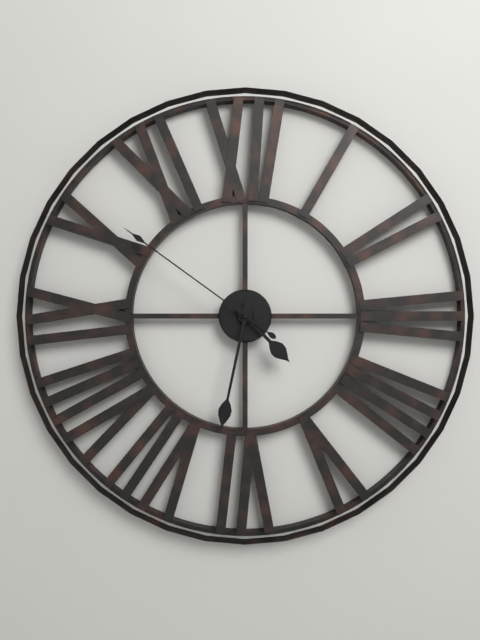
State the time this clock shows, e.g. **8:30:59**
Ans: **4:32:51**
